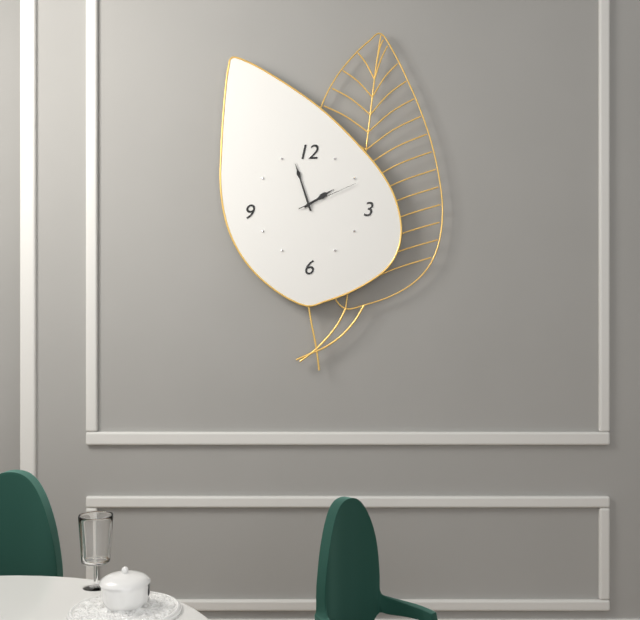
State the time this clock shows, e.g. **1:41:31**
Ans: **1:57:11**
